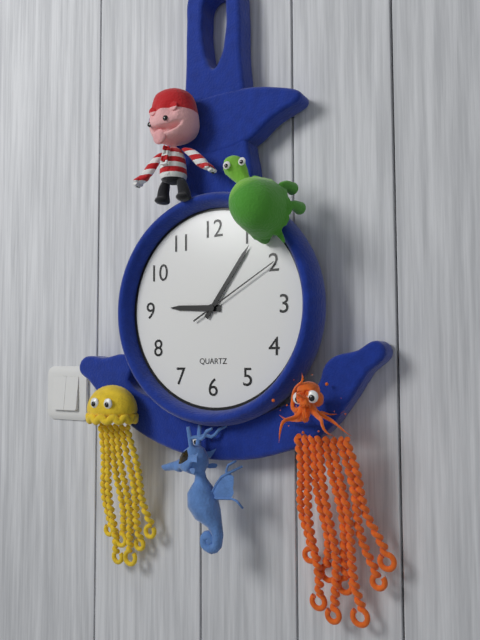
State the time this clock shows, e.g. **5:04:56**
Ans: **9:06:10**
